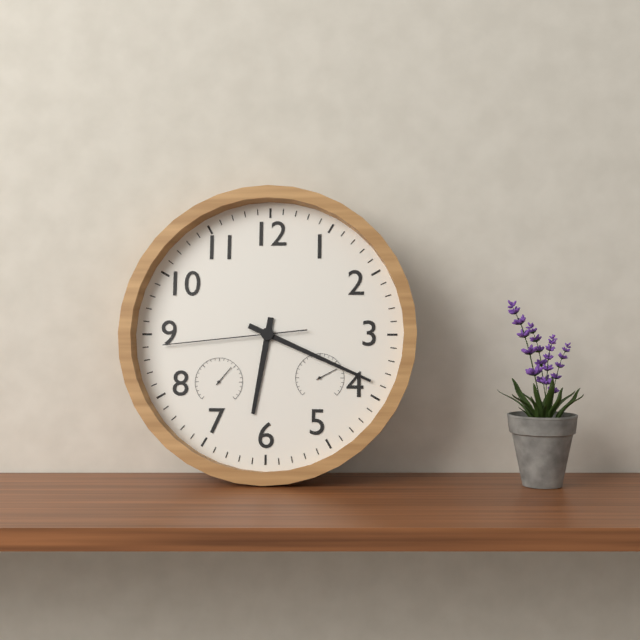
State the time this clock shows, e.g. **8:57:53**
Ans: **6:19:44**
